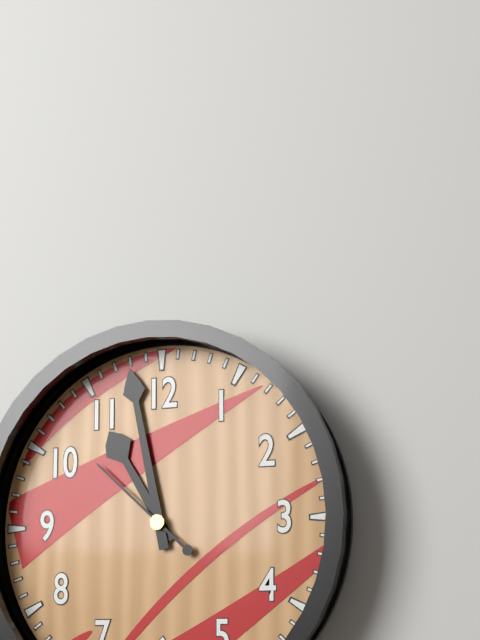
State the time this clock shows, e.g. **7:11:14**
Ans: **10:58:52**
